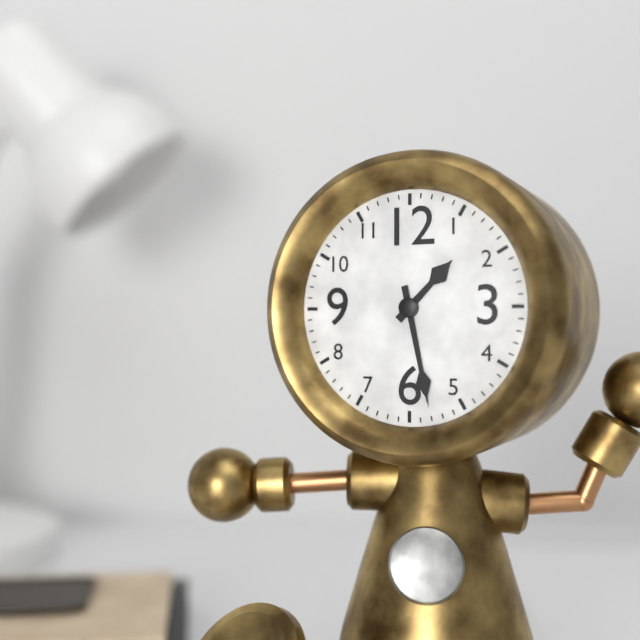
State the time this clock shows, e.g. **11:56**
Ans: **1:28**
